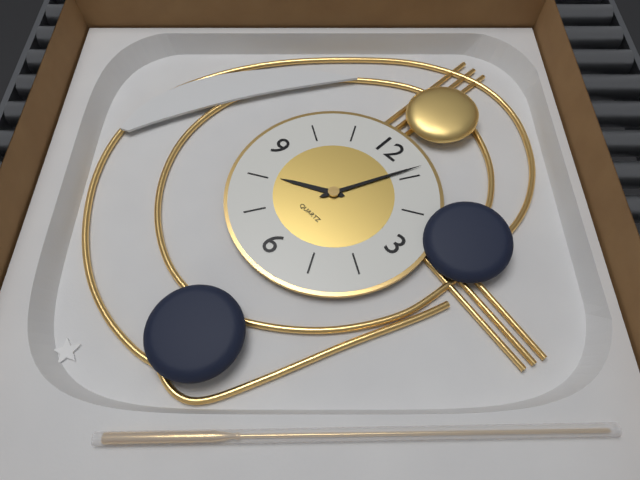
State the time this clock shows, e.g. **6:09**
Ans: **8:04**
